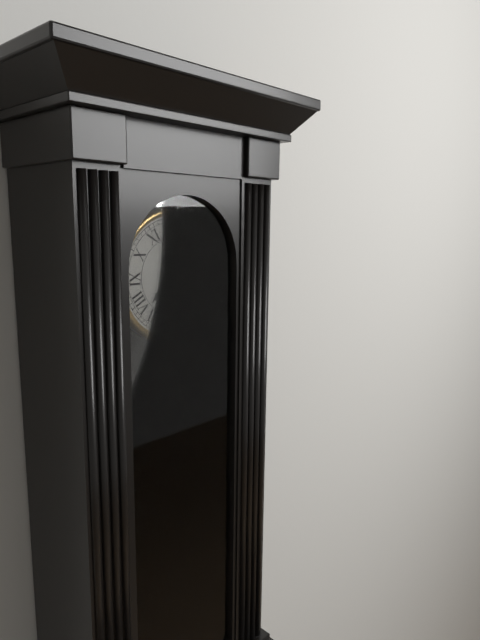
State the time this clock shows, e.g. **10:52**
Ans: **7:35**
